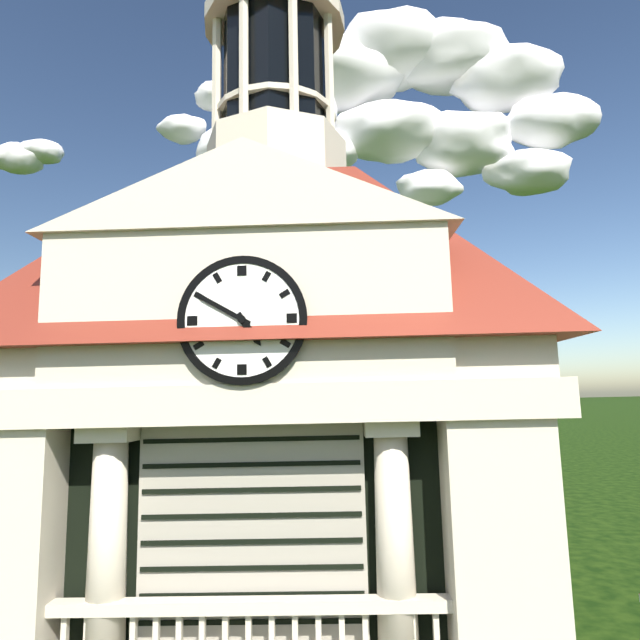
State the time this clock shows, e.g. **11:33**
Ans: **4:50**
